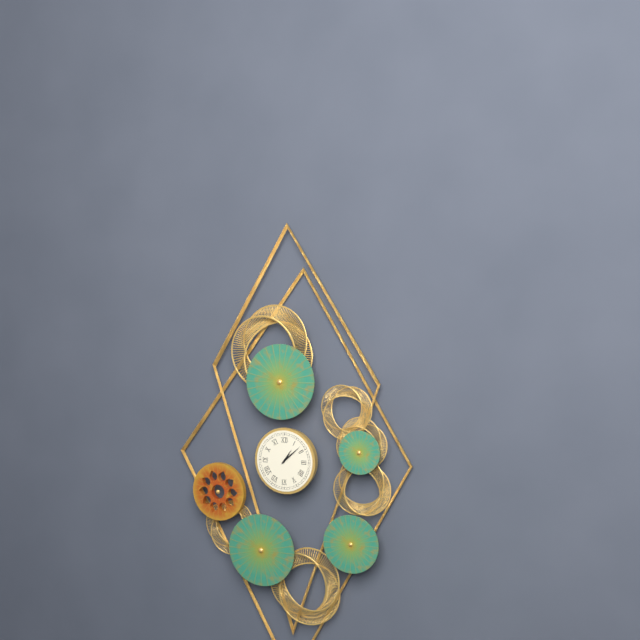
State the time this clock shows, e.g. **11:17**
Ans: **1:08**
